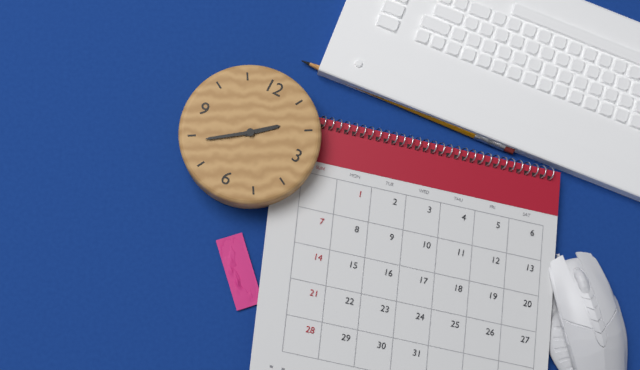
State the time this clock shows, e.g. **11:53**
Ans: **1:39**
